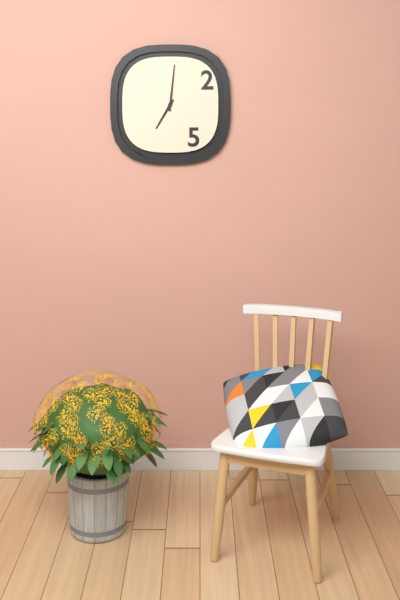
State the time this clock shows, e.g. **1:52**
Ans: **7:01**
